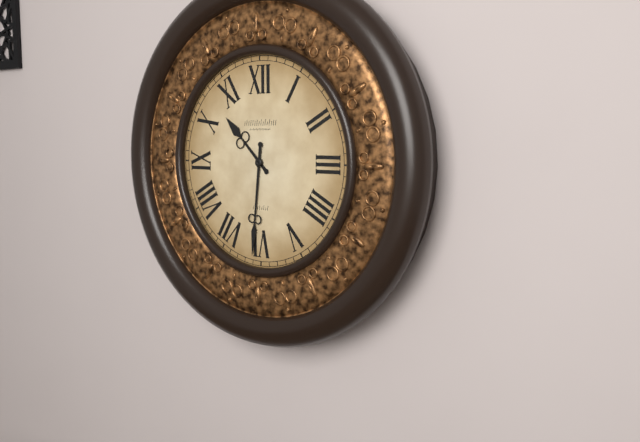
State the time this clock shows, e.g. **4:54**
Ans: **10:31**
